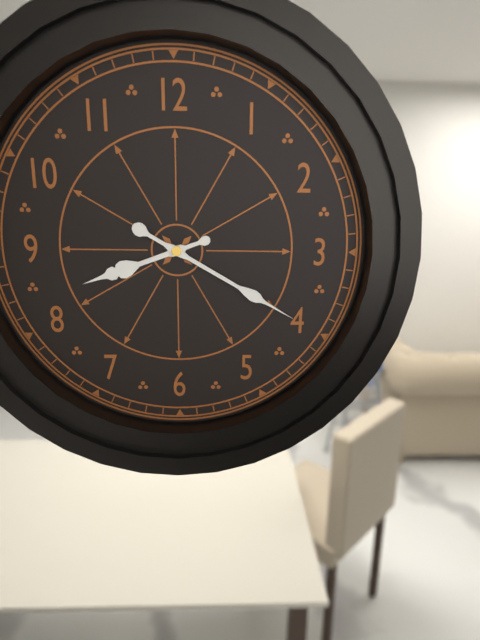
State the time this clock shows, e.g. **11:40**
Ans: **8:20**
